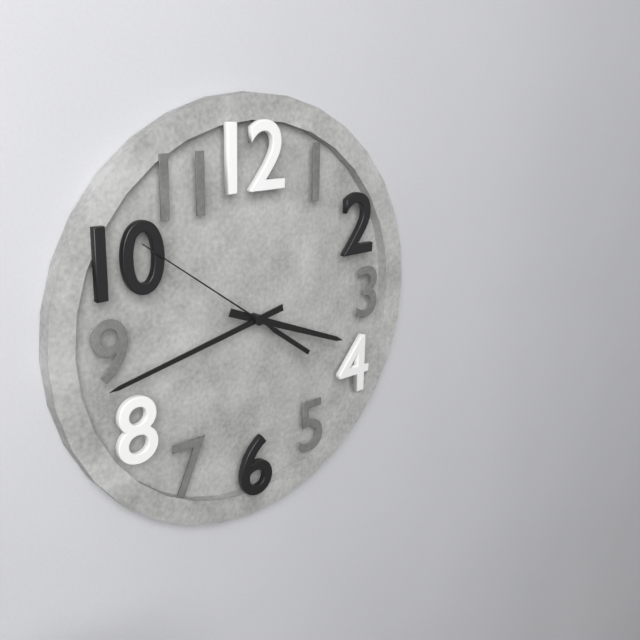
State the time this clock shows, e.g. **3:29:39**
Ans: **3:43:51**
